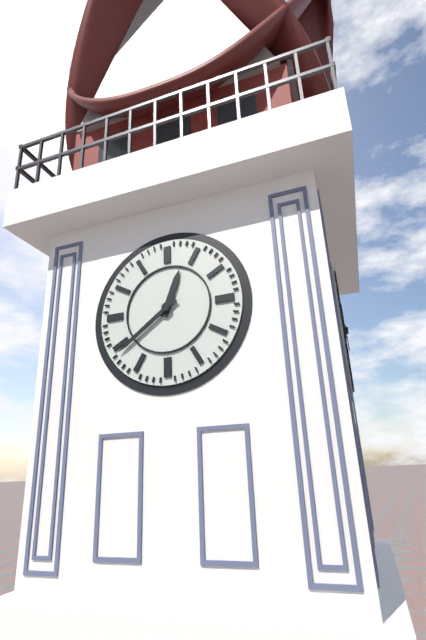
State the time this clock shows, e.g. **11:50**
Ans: **12:39**
